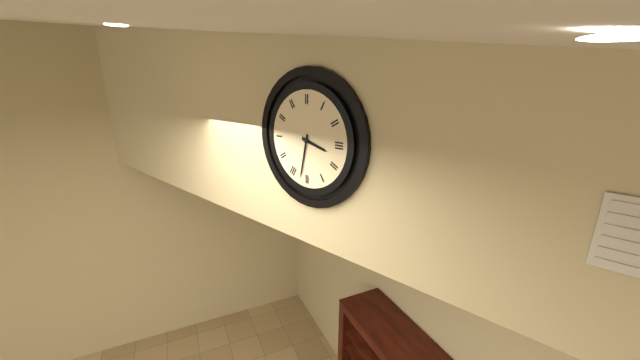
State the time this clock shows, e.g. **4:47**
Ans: **3:32**
